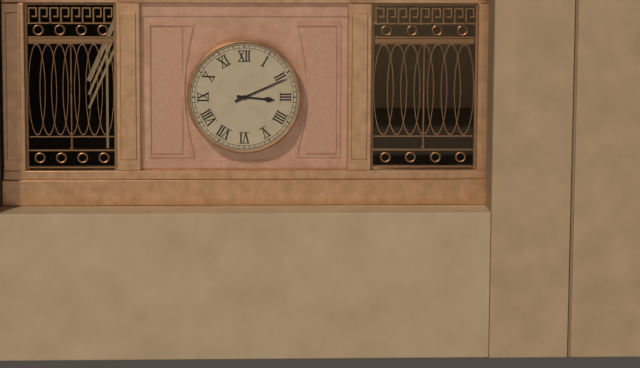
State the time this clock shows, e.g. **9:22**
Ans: **3:11**
